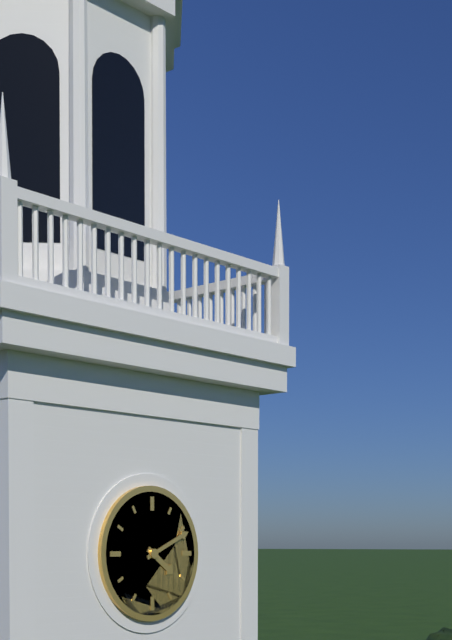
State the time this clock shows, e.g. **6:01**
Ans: **4:11**
